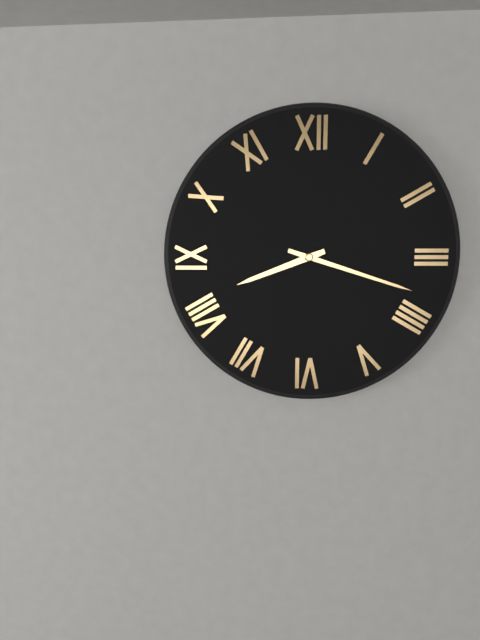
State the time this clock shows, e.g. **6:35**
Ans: **8:18**
